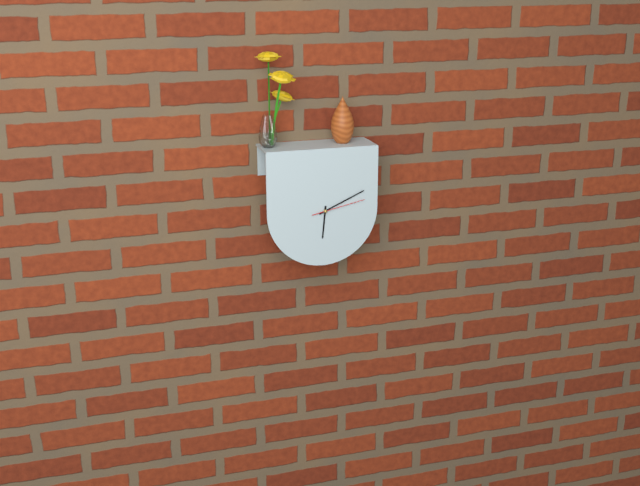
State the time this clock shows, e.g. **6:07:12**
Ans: **6:11:13**
